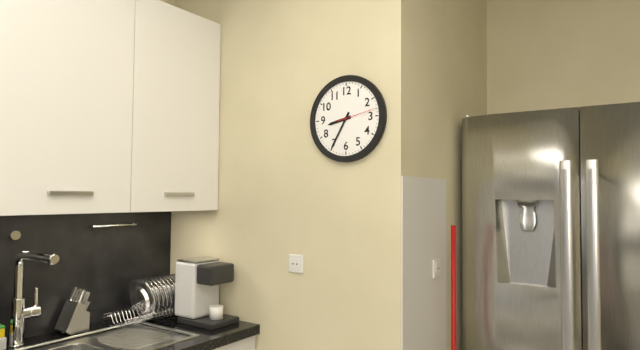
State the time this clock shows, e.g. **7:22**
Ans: **8:35**
